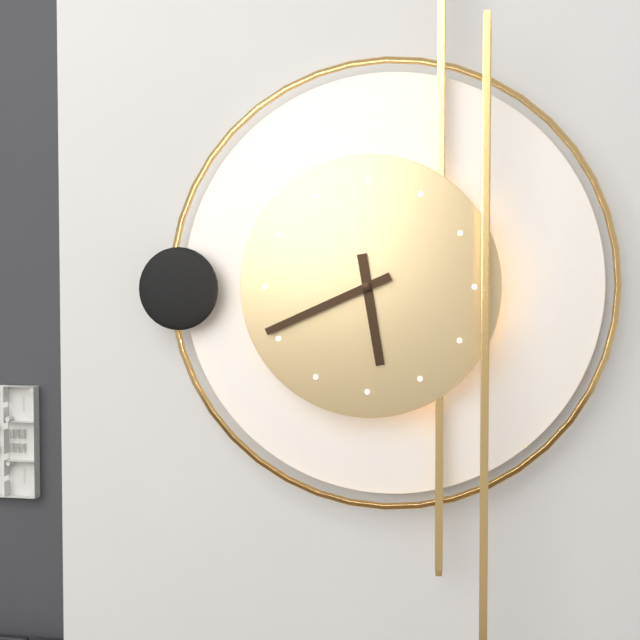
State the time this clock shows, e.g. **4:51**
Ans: **5:41**
